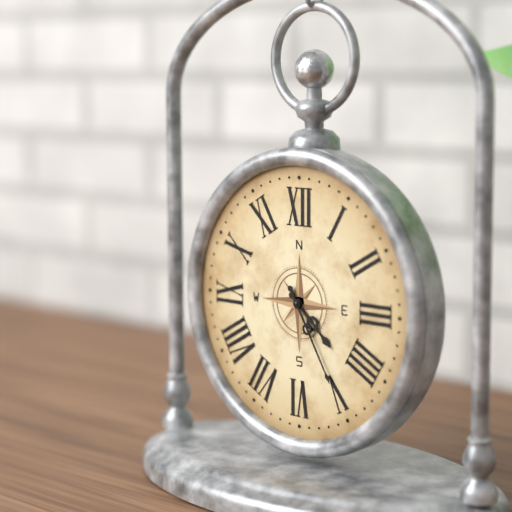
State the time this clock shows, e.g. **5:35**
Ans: **4:25**
